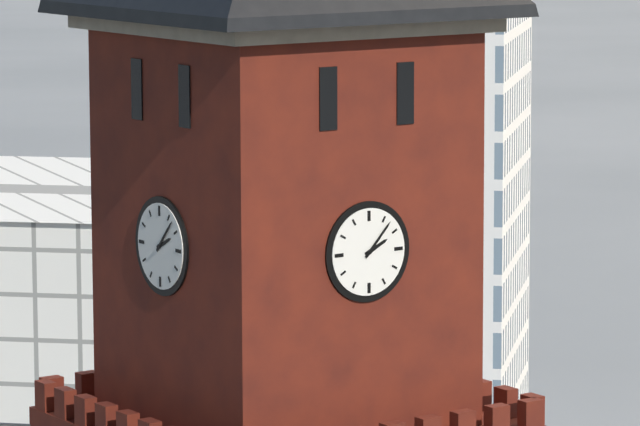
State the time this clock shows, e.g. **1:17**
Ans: **2:07**
